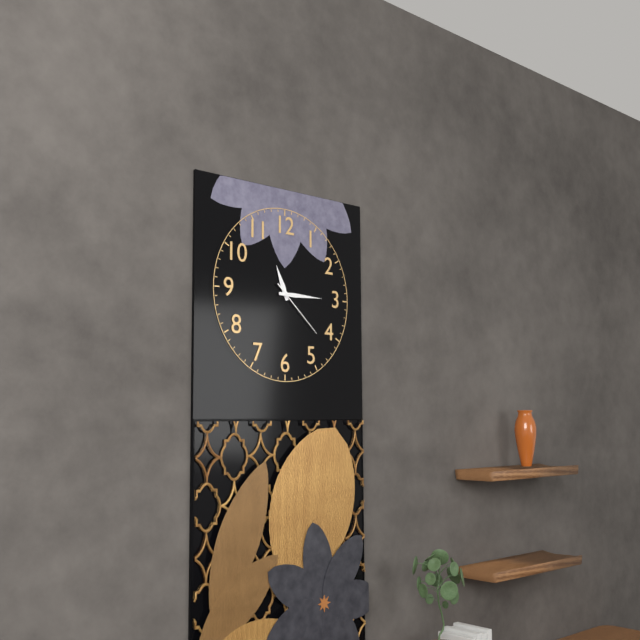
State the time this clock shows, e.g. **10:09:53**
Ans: **11:15:22**
